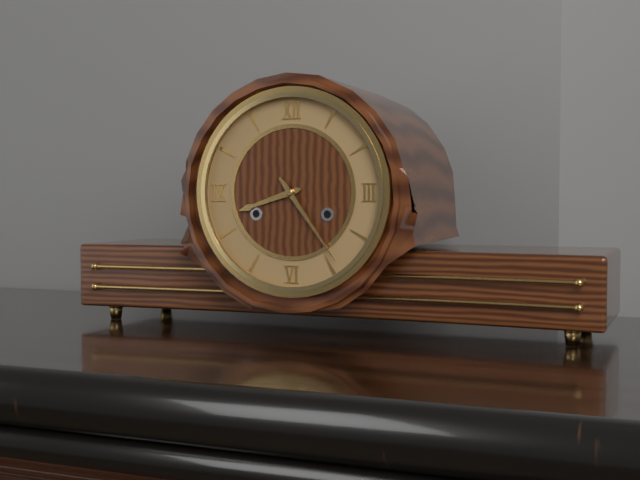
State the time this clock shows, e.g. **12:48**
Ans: **8:24**
